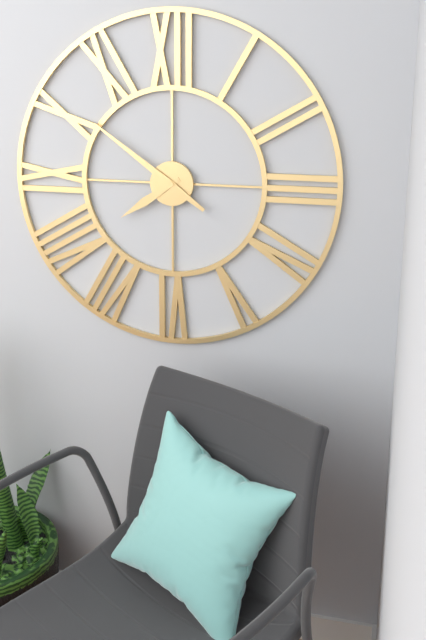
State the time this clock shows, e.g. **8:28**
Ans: **7:51**
